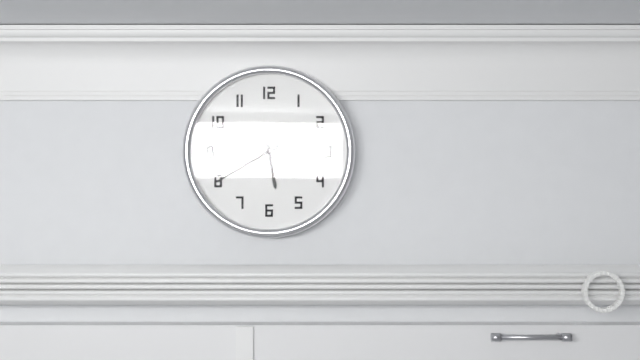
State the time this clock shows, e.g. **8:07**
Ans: **5:40**
